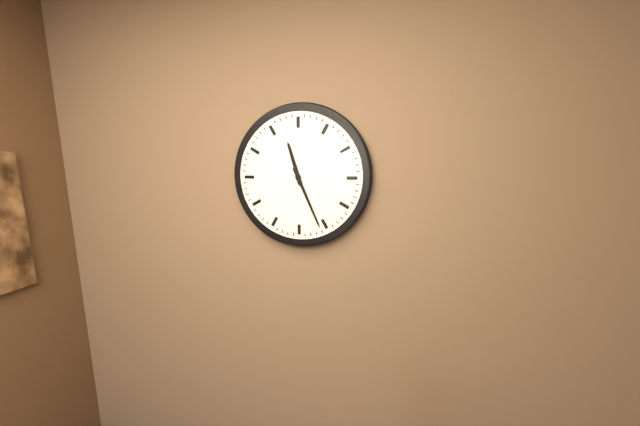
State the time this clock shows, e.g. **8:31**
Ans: **11:26**
